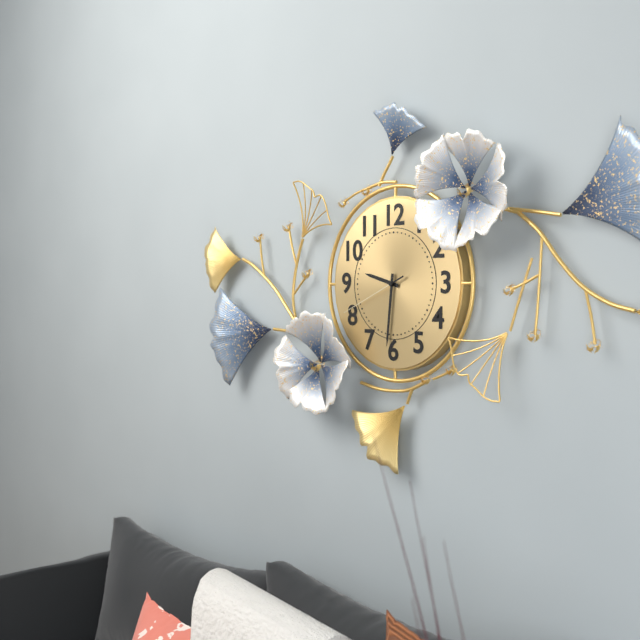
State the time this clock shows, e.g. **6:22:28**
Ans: **9:31:41**
